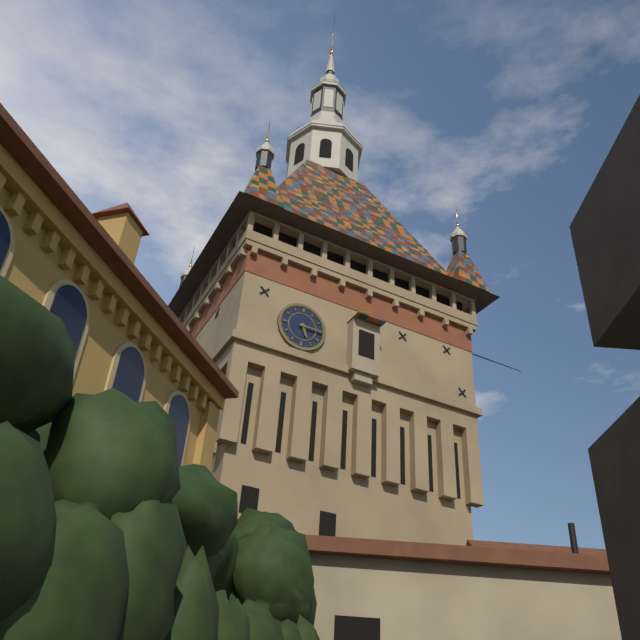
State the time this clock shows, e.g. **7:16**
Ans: **5:15**
